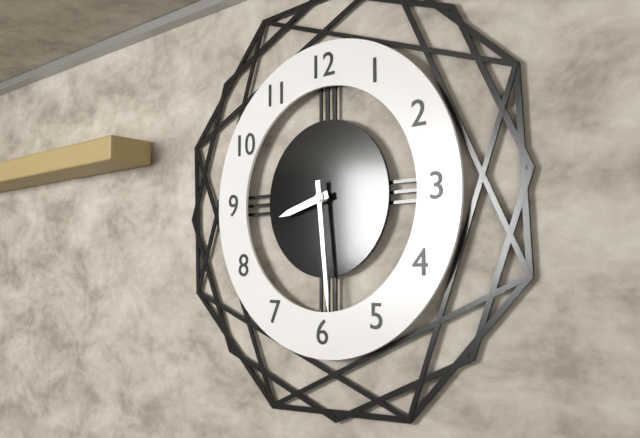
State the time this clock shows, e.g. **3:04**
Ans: **8:29**
